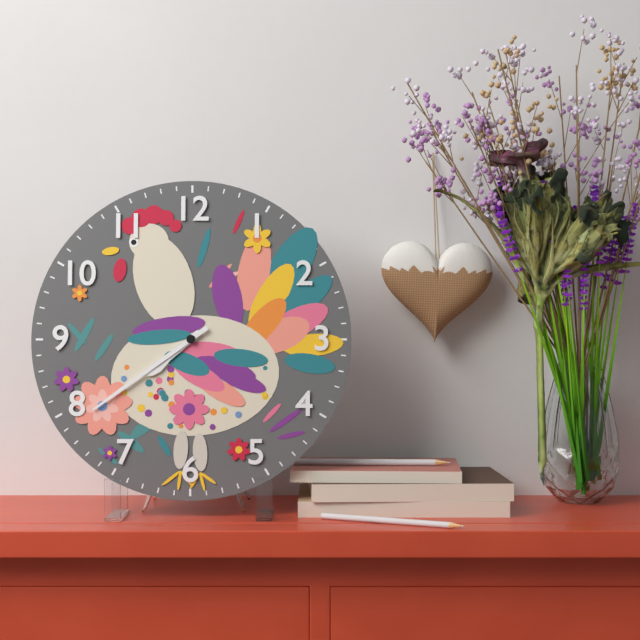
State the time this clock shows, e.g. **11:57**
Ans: **7:39**
